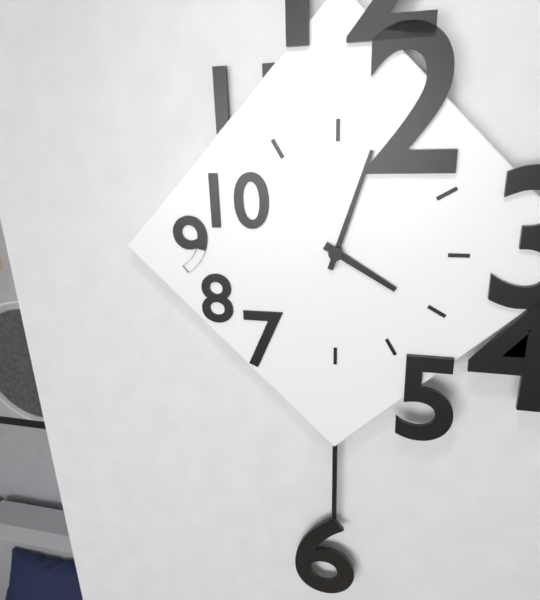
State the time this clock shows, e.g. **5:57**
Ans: **4:03**
